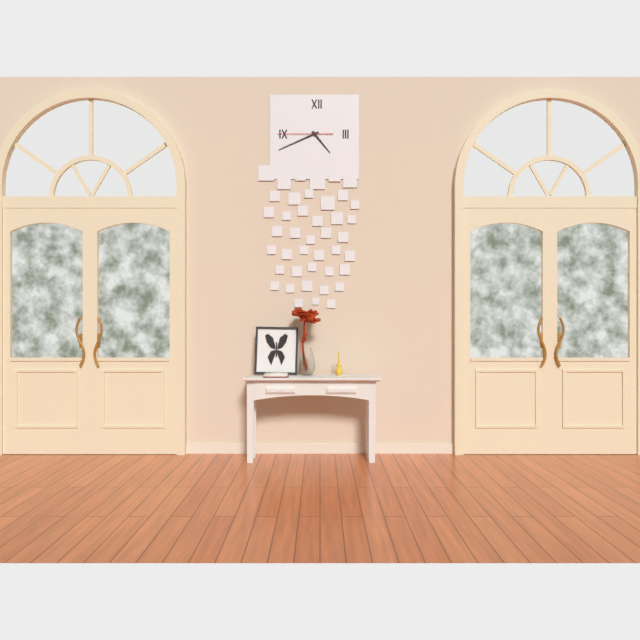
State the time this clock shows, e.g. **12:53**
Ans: **4:41**
